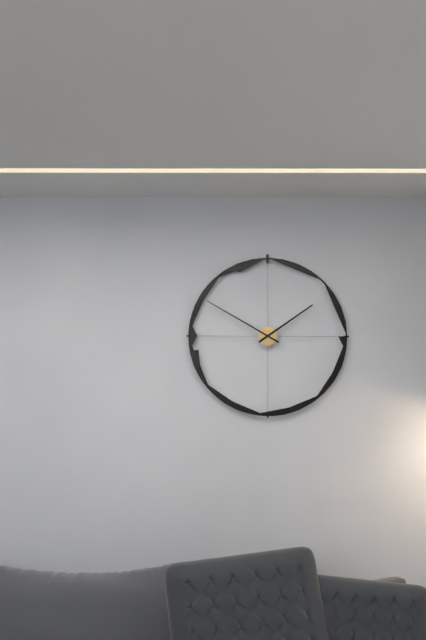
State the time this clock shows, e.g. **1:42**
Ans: **1:50**
